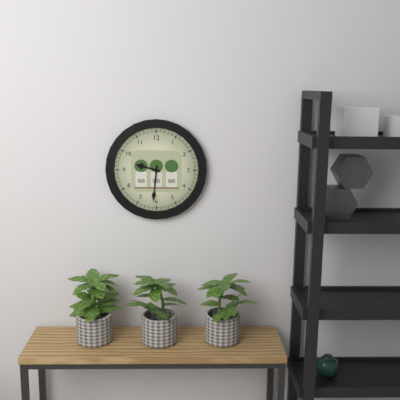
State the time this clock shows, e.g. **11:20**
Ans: **9:31**
